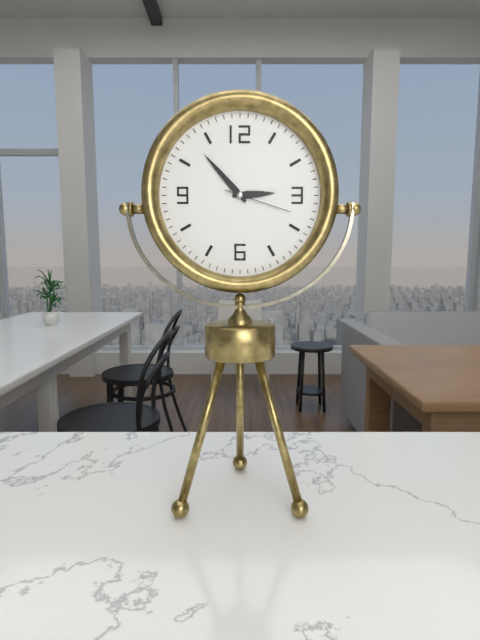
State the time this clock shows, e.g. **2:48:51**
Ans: **2:53:18**
